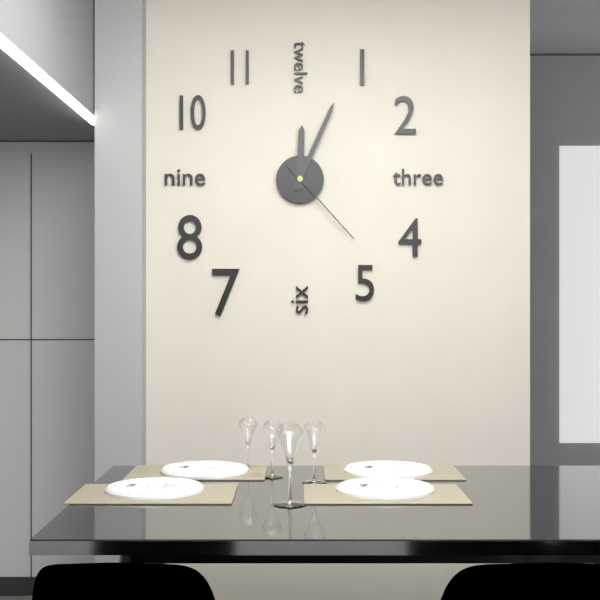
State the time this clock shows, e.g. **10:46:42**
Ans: **12:04:23**
